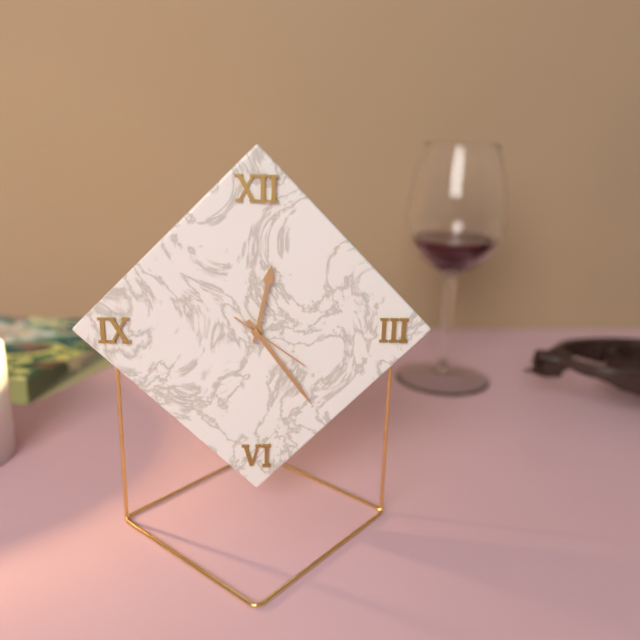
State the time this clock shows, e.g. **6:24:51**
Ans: **12:24:21**
